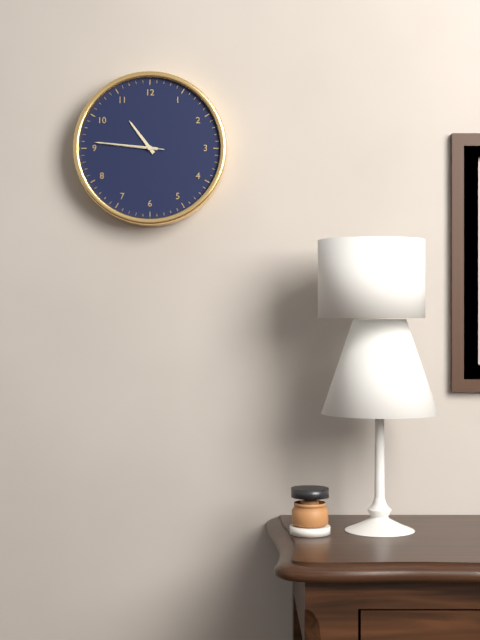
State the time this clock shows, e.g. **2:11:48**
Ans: **10:46:46**
